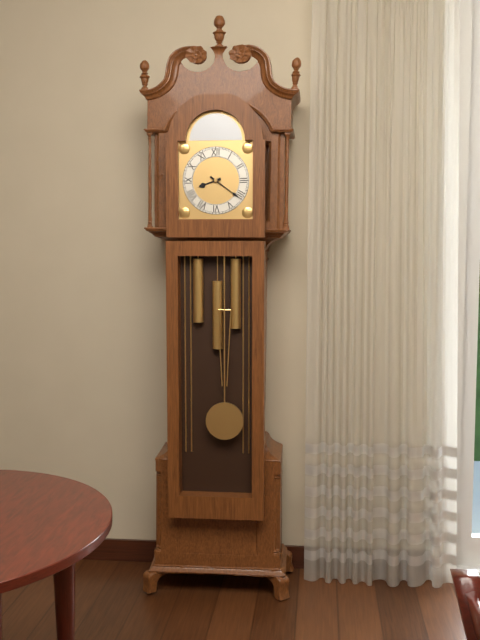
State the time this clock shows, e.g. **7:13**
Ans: **8:21**
